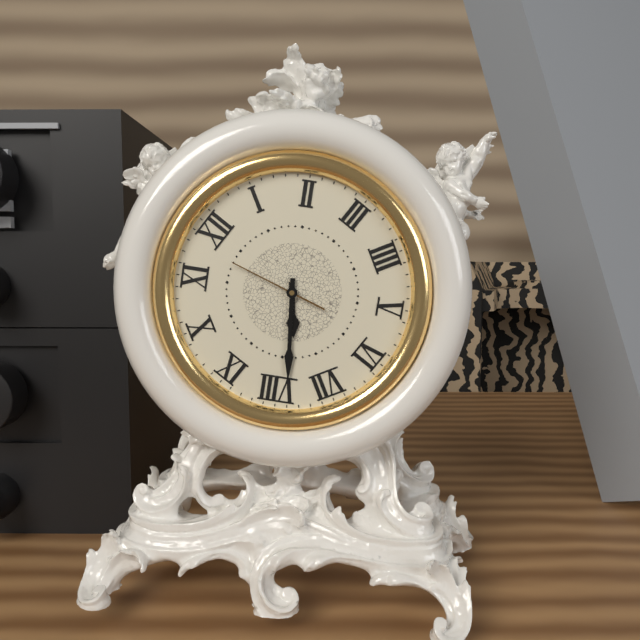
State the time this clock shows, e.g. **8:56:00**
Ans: **7:39:58**
